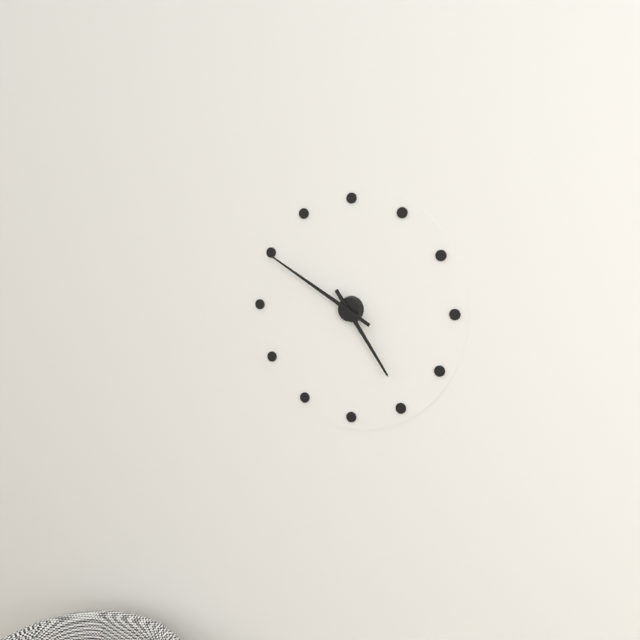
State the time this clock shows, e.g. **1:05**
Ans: **4:50**
